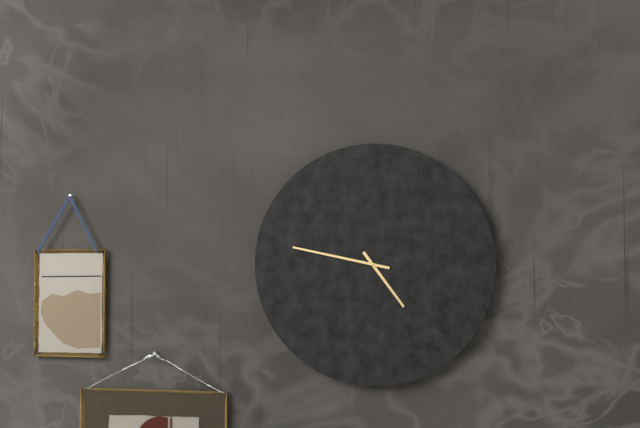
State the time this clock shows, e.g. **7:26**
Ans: **4:47**
